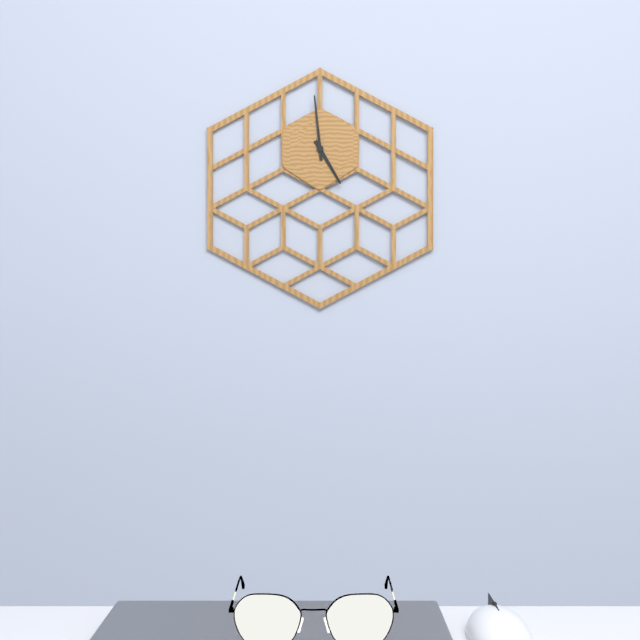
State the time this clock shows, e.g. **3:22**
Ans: **4:59**
